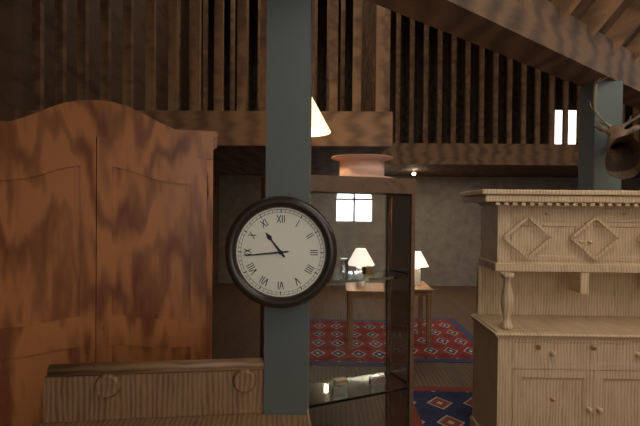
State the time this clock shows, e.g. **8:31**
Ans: **10:44**
